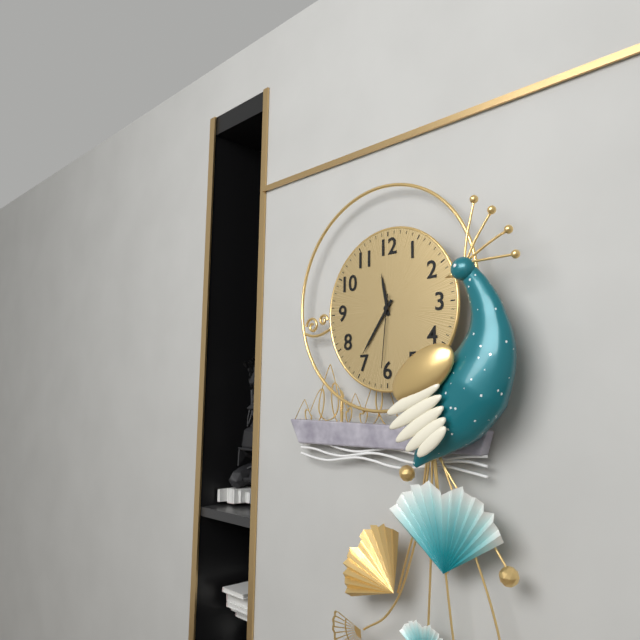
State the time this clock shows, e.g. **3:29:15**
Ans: **11:36:31**
